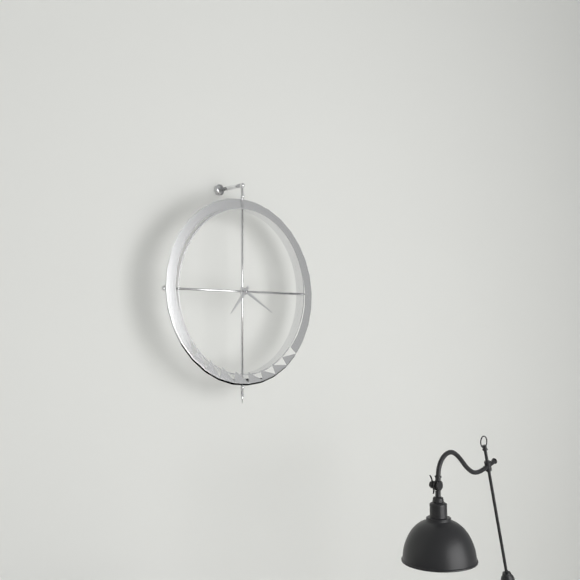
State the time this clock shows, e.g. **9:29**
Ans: **7:20**
